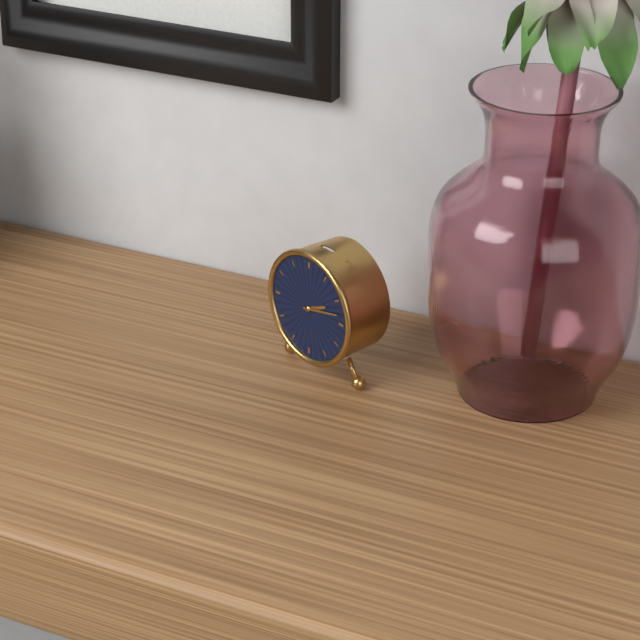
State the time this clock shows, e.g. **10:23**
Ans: **2:13**
